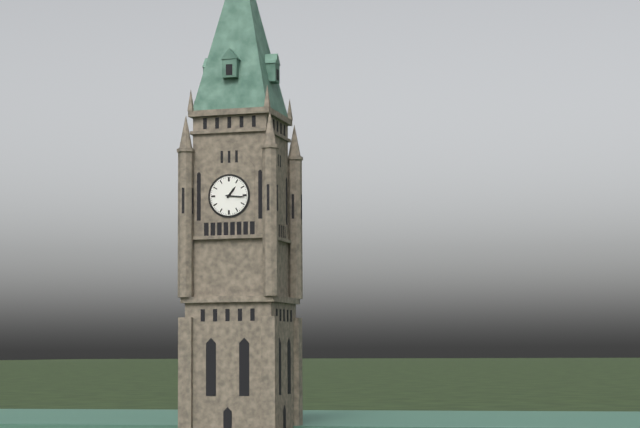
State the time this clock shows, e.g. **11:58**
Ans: **1:16**
